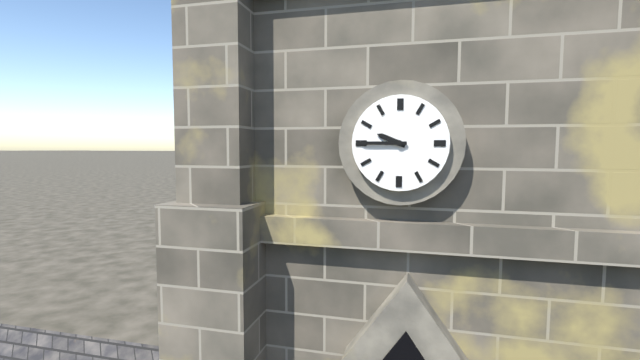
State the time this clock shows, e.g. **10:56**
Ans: **9:45**
